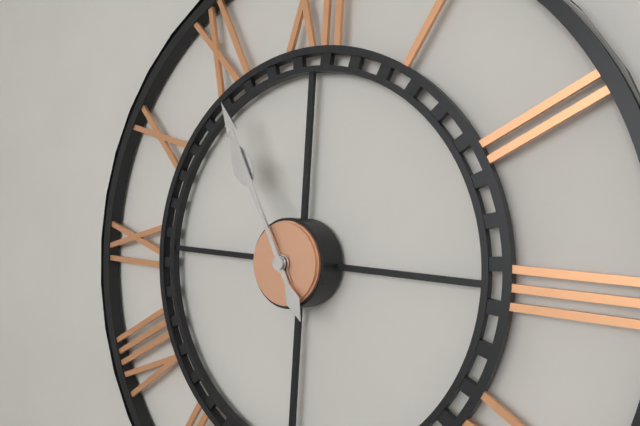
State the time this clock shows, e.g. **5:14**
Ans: **10:55**
